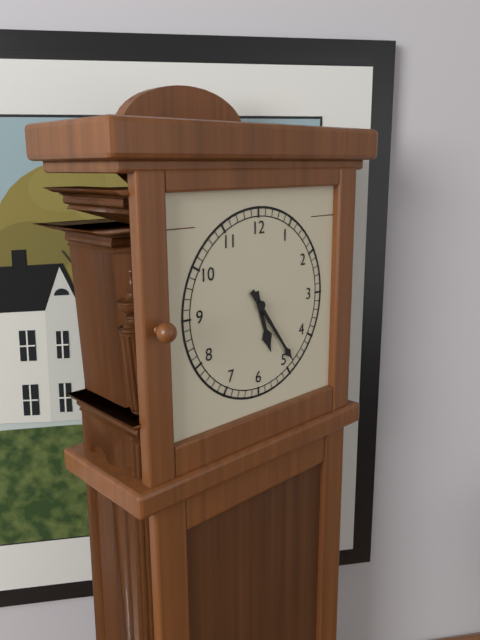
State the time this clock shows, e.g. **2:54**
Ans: **5:24**
